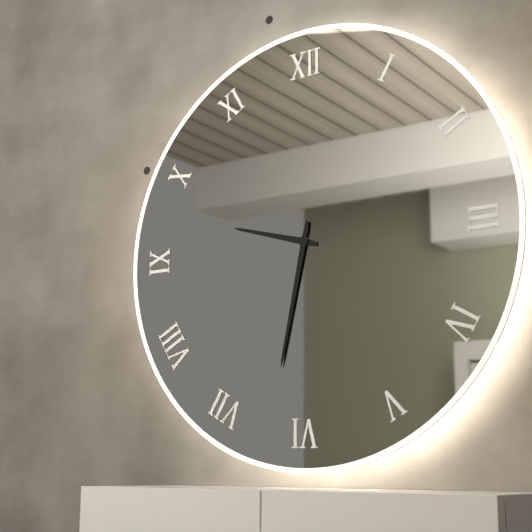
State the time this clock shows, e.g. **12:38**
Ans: **9:32**
